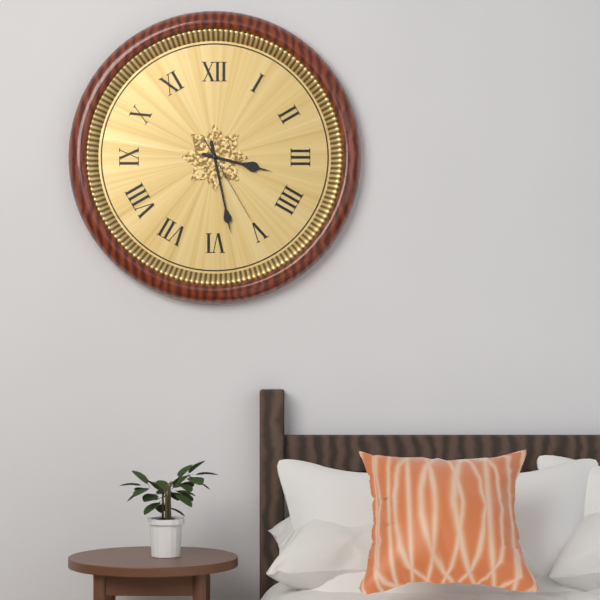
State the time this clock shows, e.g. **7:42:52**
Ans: **3:28:25**
